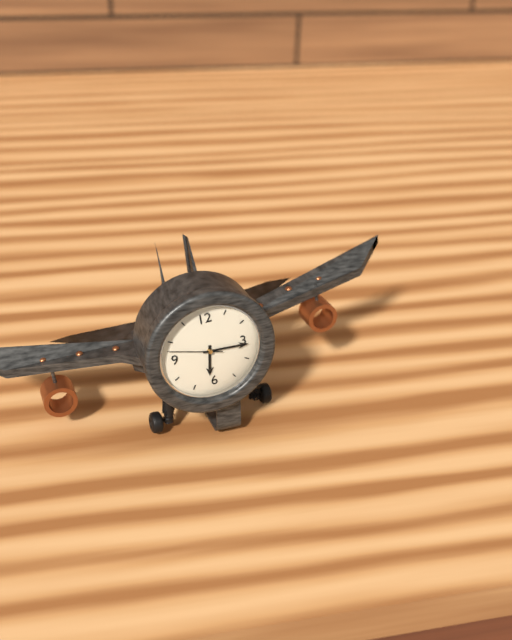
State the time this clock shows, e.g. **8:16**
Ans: **6:16**
